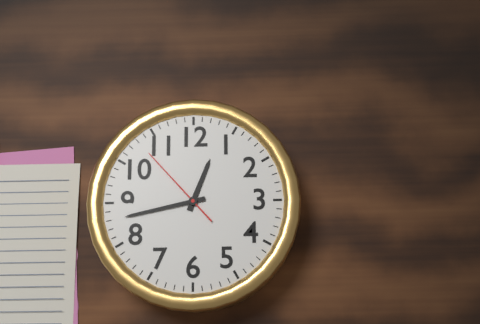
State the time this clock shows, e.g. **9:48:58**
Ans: **12:43:53**
